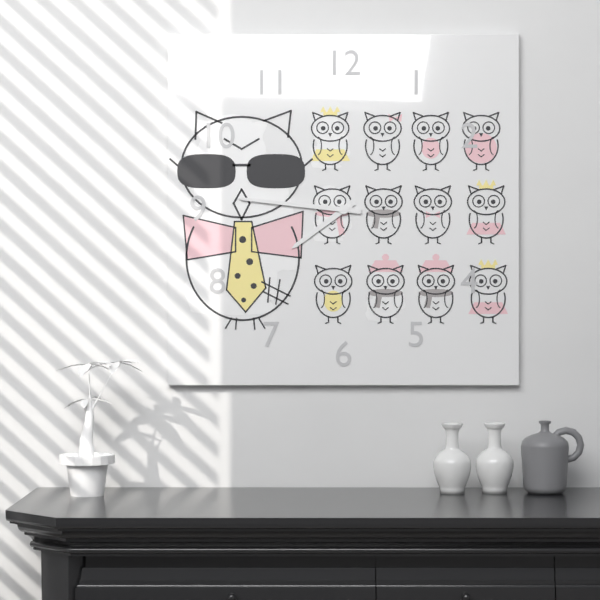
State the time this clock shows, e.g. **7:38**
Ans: **7:46**
